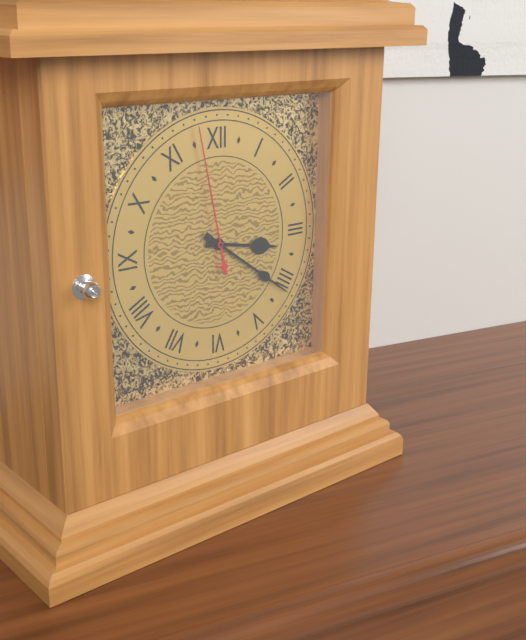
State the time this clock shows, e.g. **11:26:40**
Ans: **3:21:58**
